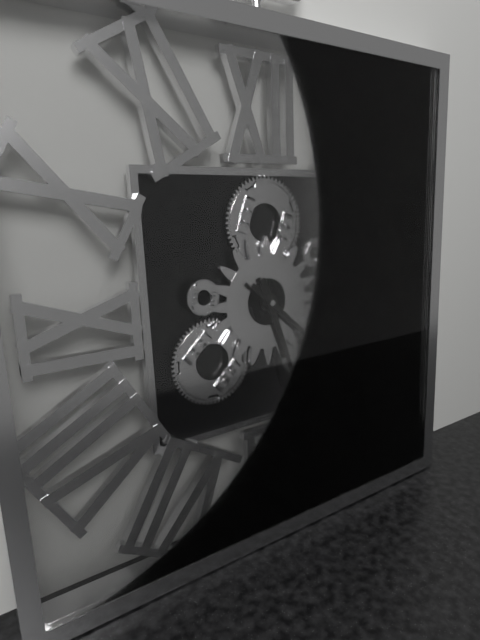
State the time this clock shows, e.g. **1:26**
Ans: **5:22**
